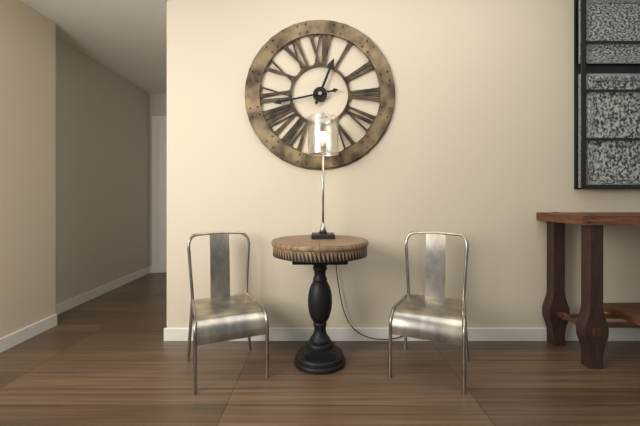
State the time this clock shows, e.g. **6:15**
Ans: **12:43**
